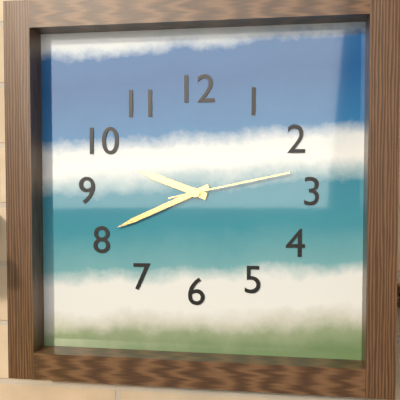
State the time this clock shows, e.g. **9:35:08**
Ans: **9:41:13**
